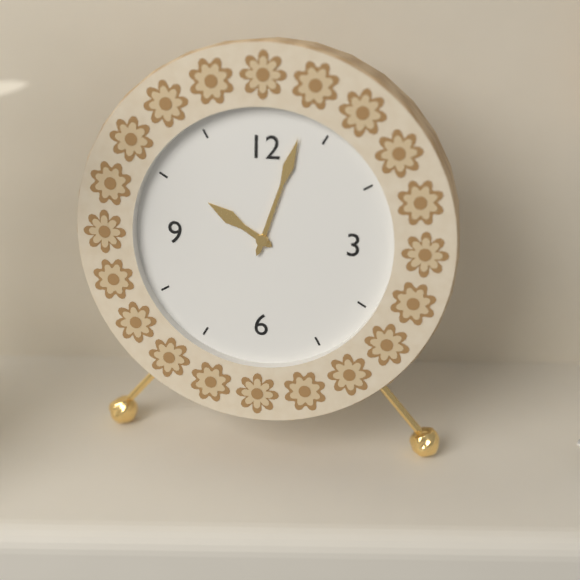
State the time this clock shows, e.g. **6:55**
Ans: **10:03**
